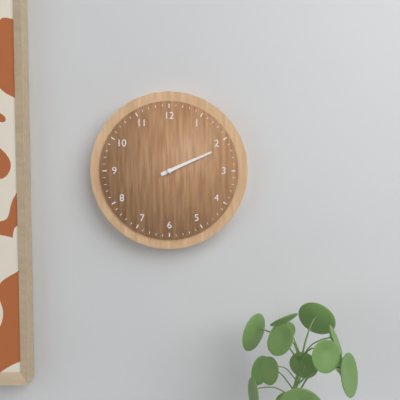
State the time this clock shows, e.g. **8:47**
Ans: **2:11**
